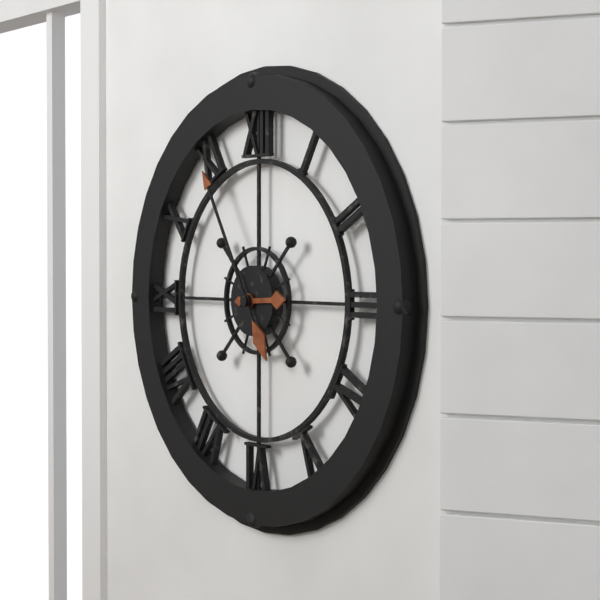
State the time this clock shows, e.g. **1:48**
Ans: **2:55**
